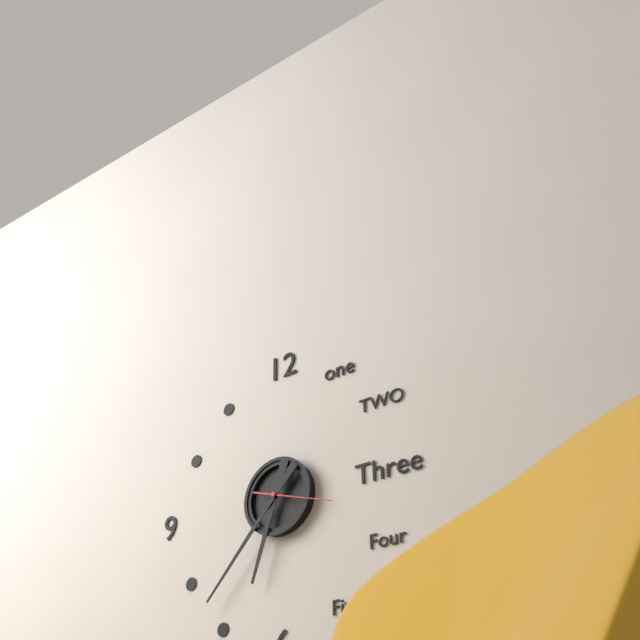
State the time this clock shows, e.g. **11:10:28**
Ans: **6:37:18**
